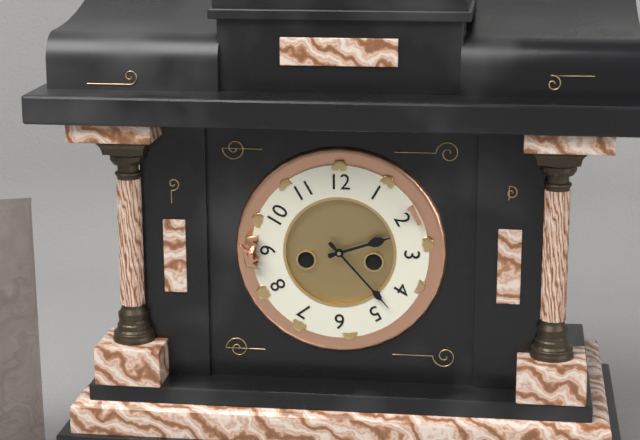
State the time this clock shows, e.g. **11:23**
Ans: **2:23**
